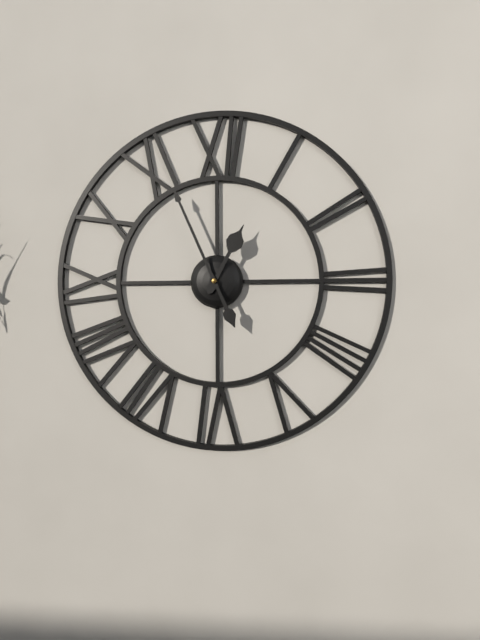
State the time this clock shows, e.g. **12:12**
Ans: **12:56**
